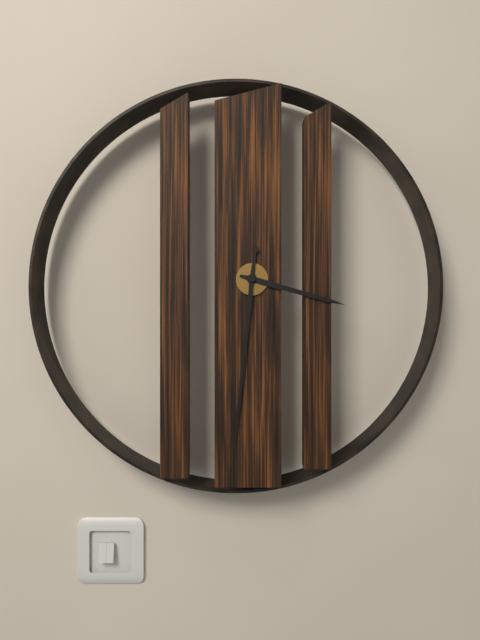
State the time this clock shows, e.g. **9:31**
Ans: **3:31**
